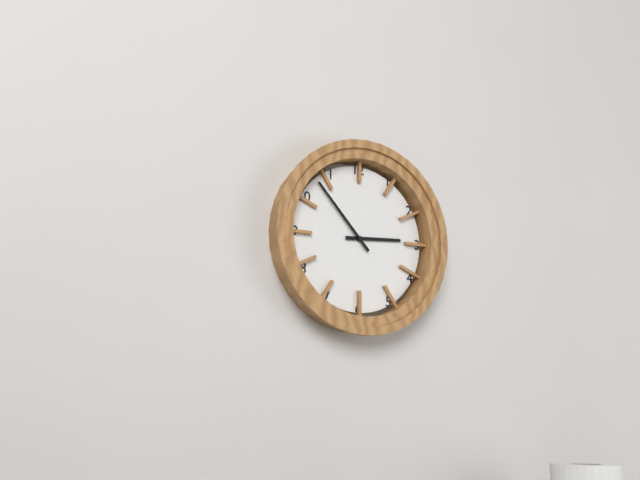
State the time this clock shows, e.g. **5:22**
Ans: **2:53**
